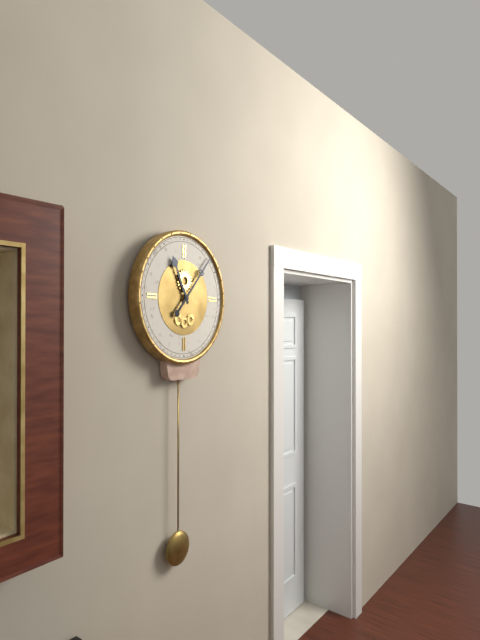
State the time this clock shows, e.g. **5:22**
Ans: **11:07**
